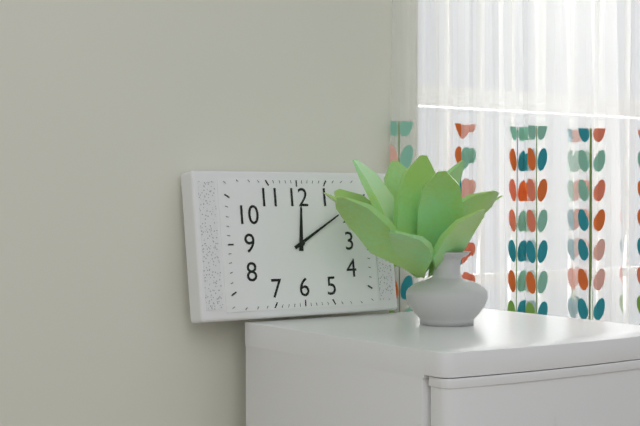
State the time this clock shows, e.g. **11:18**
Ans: **12:10**
